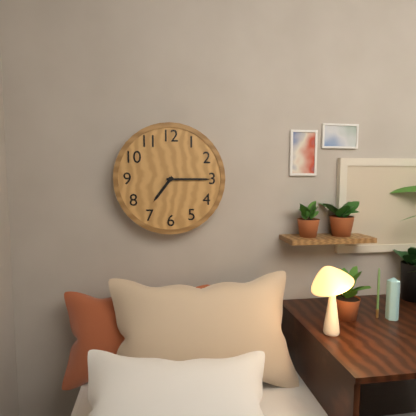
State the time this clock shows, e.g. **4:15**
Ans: **7:15**
